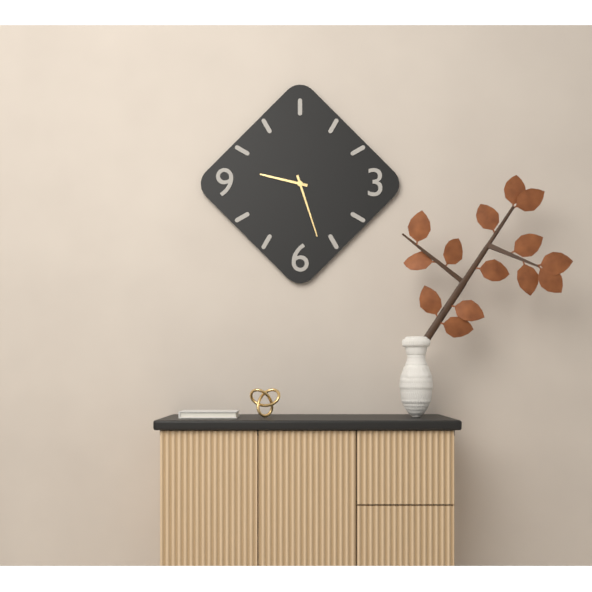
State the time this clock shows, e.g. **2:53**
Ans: **9:27**
